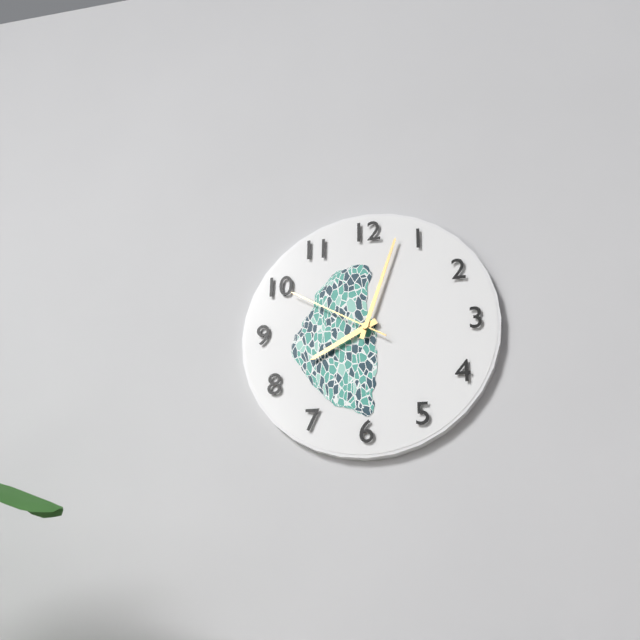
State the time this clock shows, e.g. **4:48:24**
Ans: **8:03:50**
